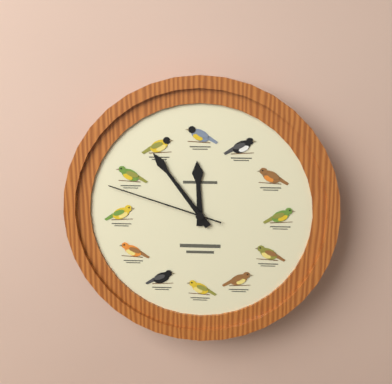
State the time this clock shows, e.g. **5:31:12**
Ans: **11:54:48**
